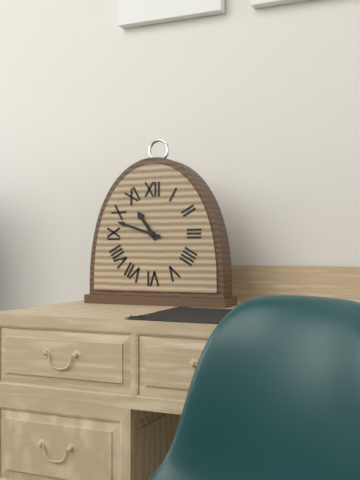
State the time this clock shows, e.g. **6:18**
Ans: **10:48**
